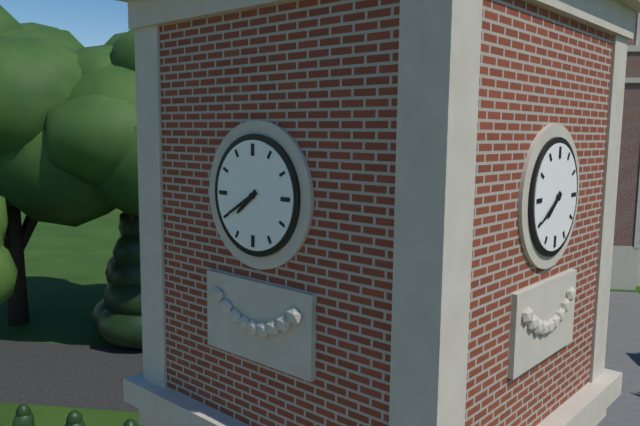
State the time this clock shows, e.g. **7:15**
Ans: **7:40**
